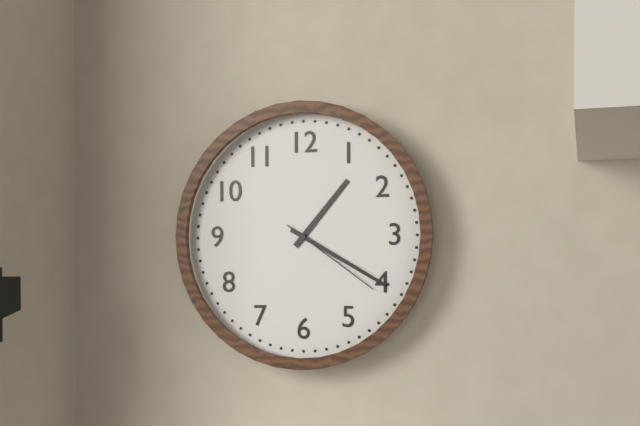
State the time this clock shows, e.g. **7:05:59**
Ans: **1:20:21**
